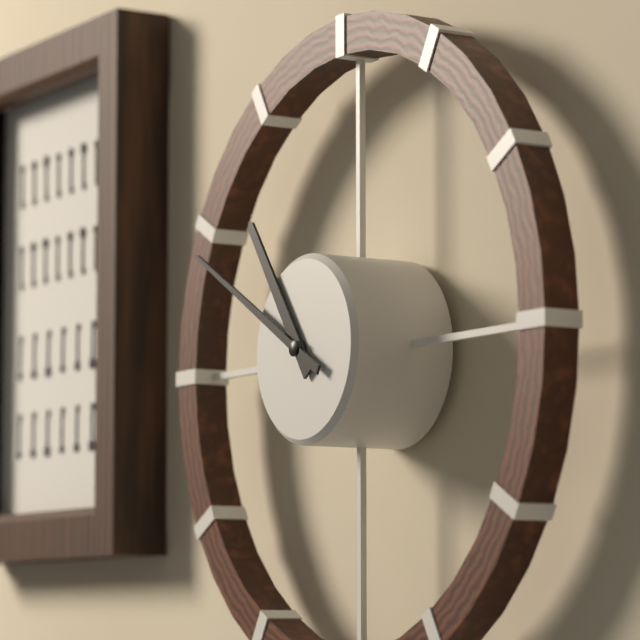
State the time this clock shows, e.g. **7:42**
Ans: **10:50**
